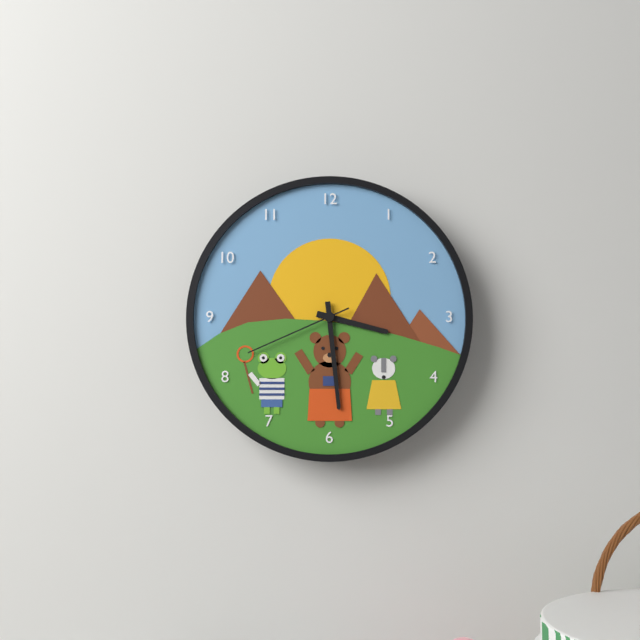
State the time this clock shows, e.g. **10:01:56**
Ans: **3:29:41**
